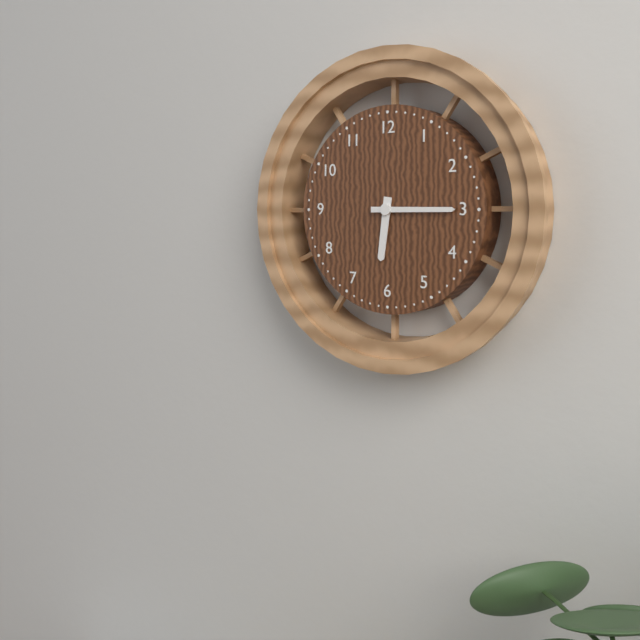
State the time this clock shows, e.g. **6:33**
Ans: **6:15**
